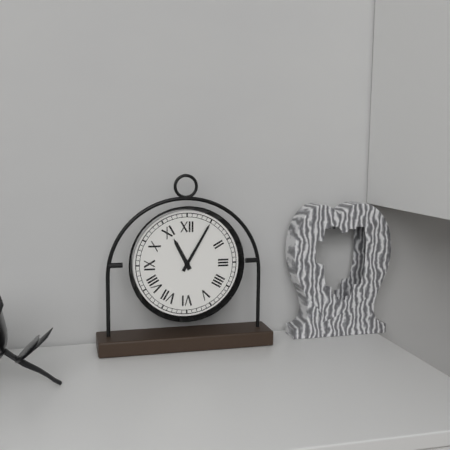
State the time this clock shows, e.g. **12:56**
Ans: **11:05**
